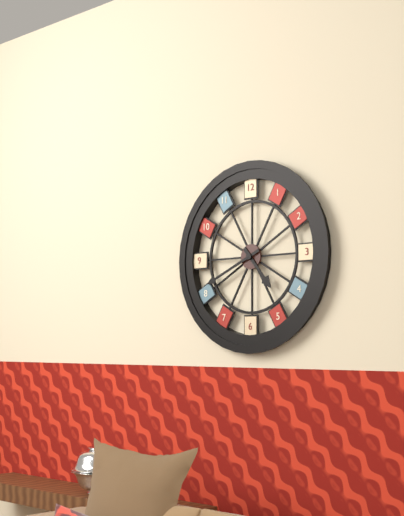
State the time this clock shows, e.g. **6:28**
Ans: **4:41**
